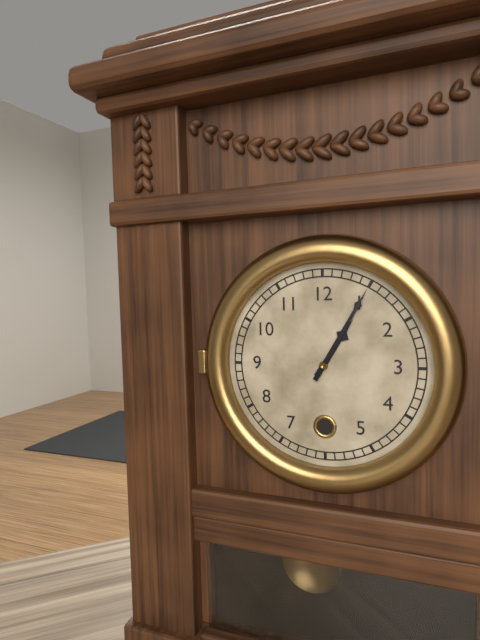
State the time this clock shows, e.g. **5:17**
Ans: **1:05**
